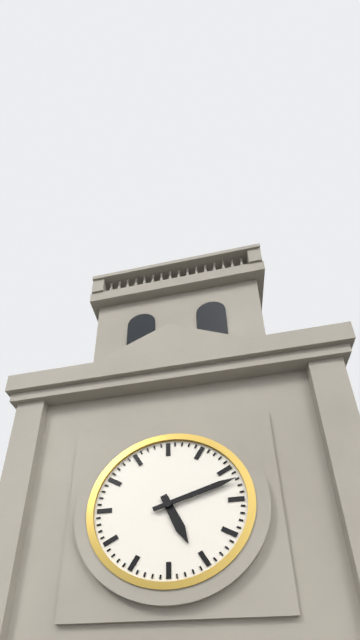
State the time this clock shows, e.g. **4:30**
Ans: **5:12**
